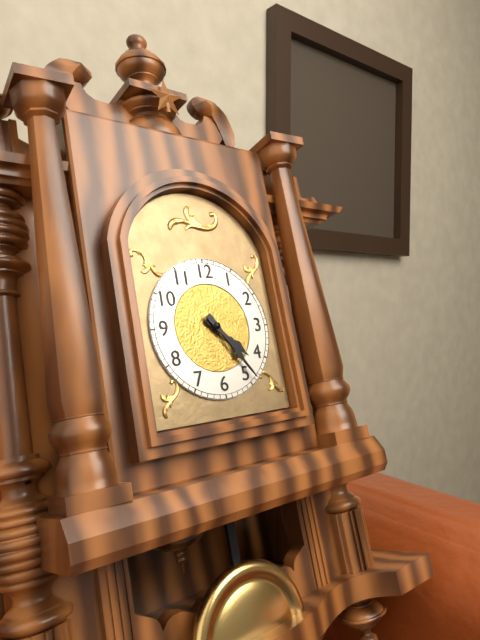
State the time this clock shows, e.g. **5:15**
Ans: **4:24**
